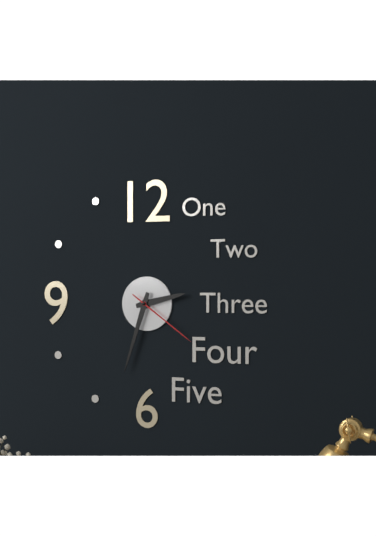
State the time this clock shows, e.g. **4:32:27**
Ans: **2:33:21**
